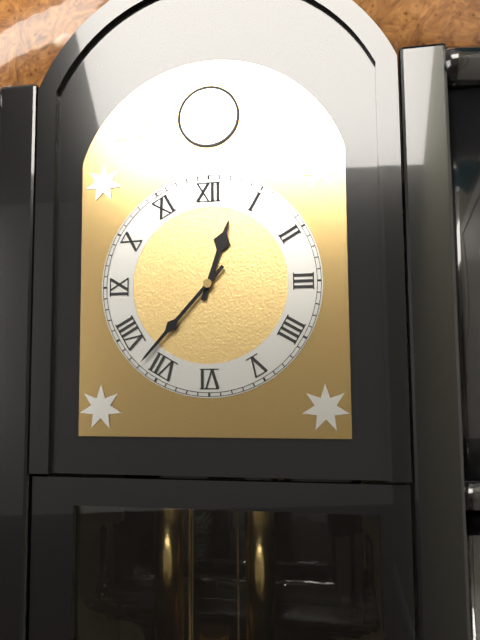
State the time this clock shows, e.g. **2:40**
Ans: **12:37**
